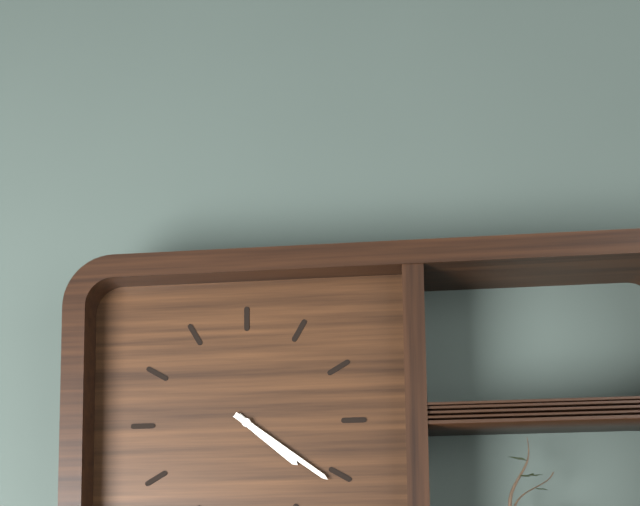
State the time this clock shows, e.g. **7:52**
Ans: **4:21**
